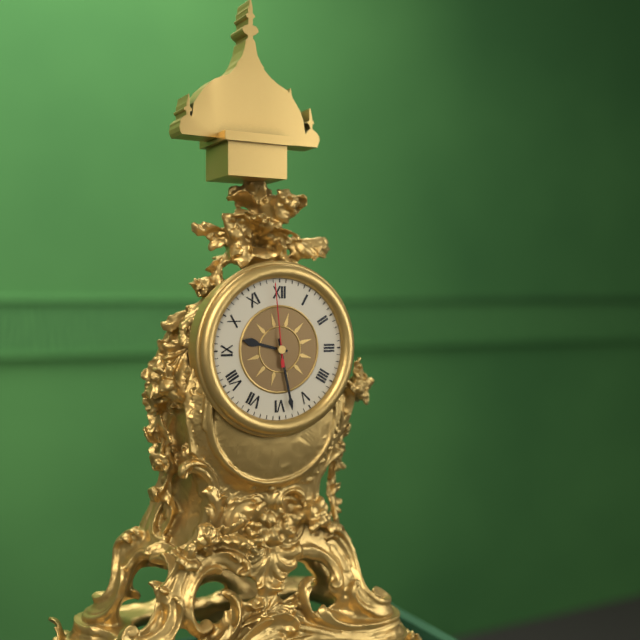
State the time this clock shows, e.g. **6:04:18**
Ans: **9:28:59**
